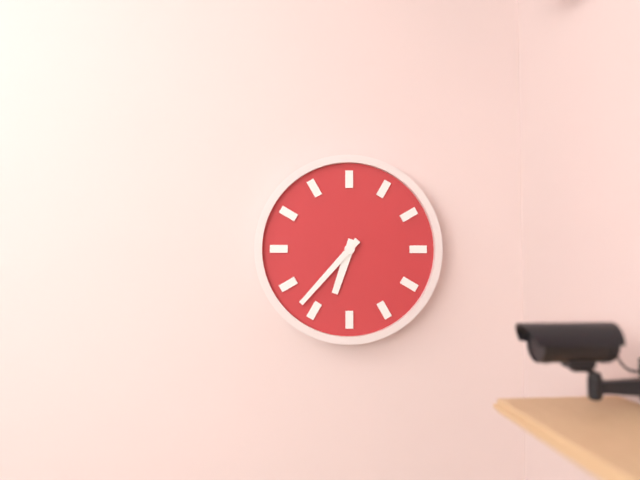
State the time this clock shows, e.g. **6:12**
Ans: **6:37**
